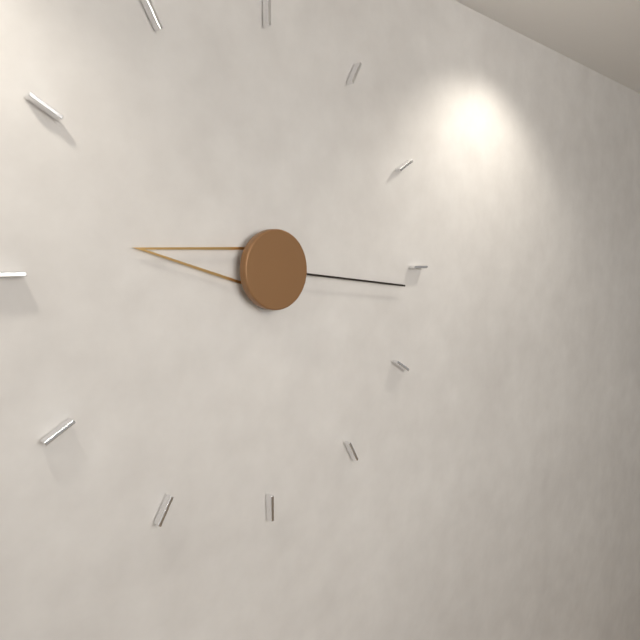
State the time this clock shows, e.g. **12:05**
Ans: **9:16**
